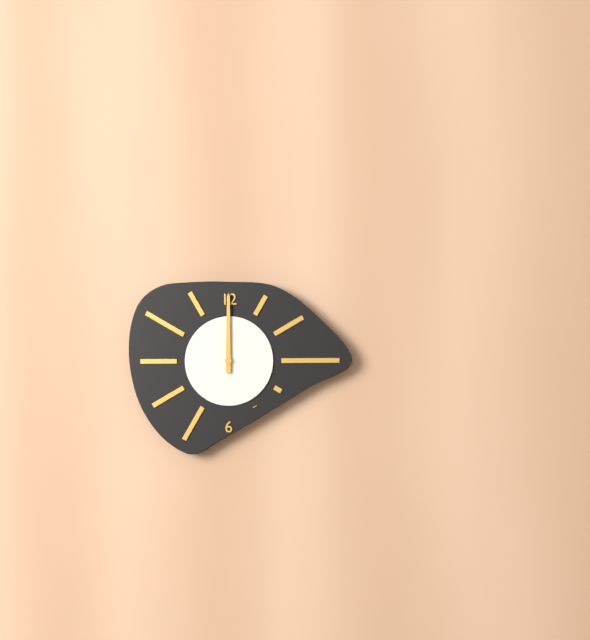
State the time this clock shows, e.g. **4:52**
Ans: **12:00**
